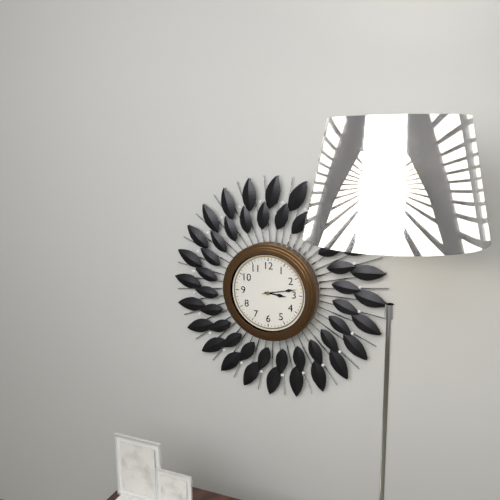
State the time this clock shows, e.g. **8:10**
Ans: **3:13**
